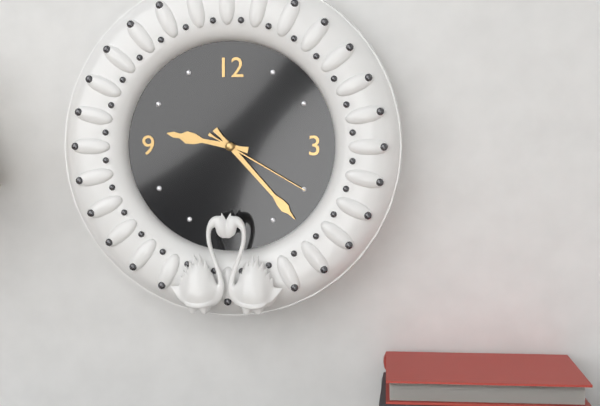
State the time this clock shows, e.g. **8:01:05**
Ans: **9:23:20**
